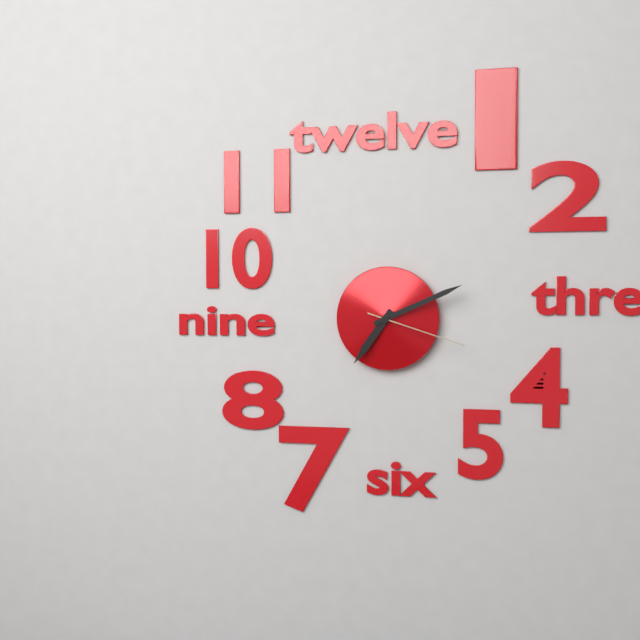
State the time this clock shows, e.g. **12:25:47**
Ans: **7:11:18**
